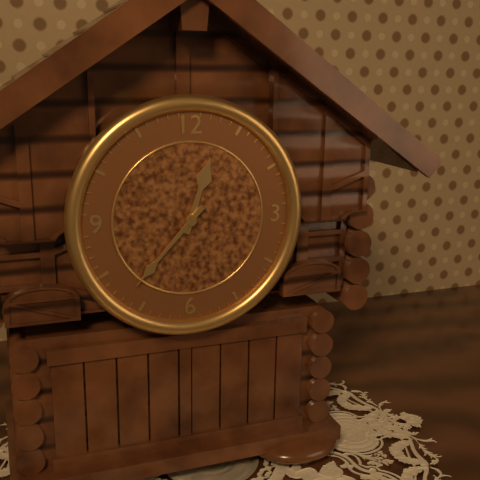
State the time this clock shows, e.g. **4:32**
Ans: **12:37**
